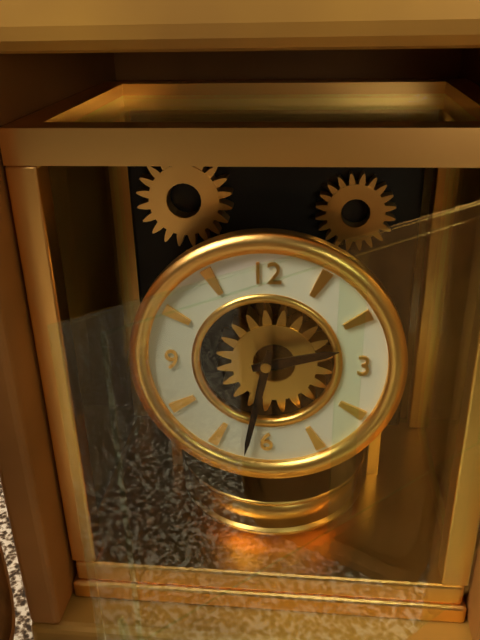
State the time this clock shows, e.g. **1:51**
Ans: **2:32**
